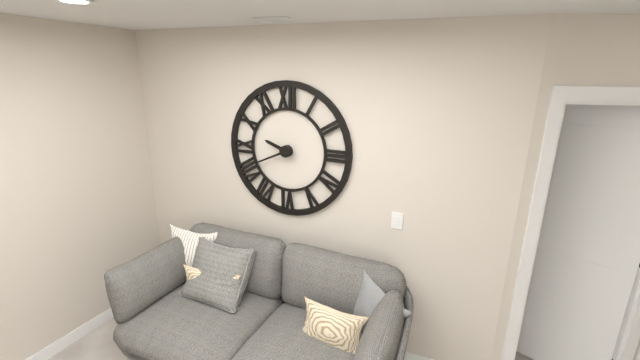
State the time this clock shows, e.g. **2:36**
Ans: **9:41**
